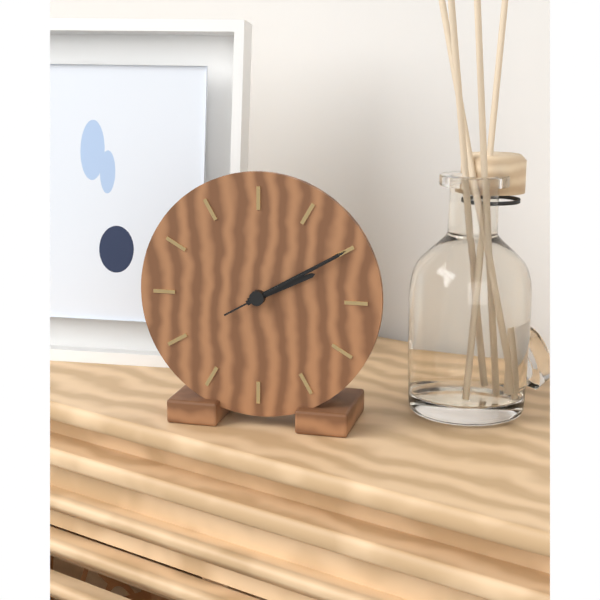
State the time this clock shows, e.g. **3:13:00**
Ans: **2:10:10**
